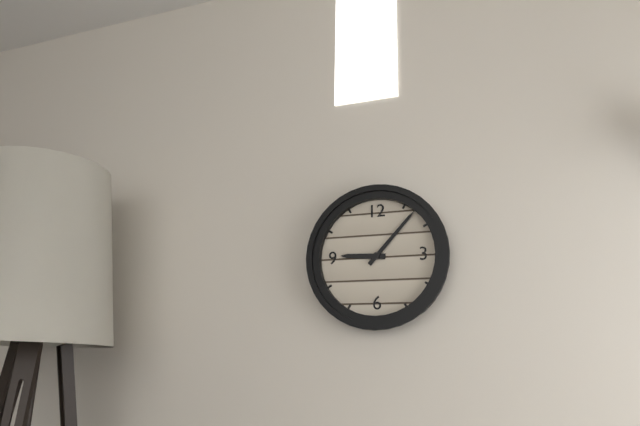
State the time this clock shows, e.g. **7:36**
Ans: **9:07**
